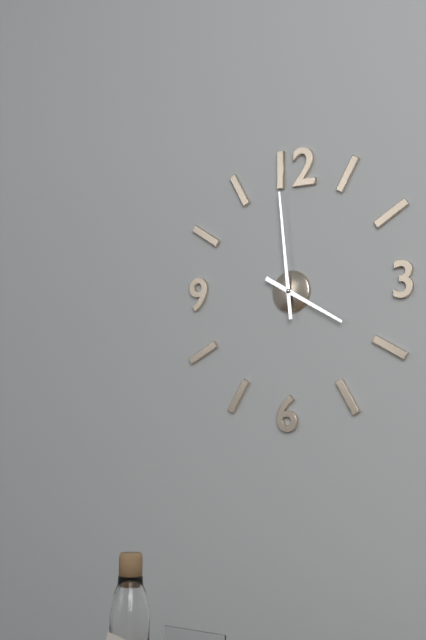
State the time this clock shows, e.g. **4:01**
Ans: **3:59**
